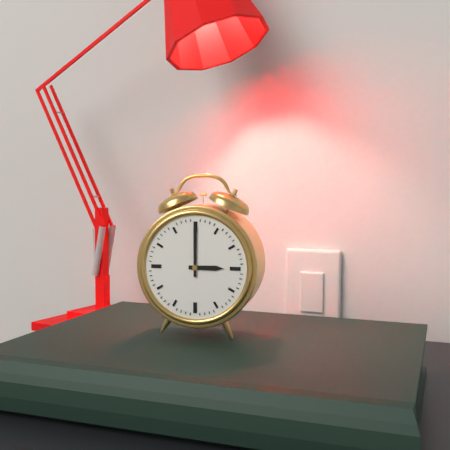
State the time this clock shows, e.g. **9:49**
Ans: **3:00**
